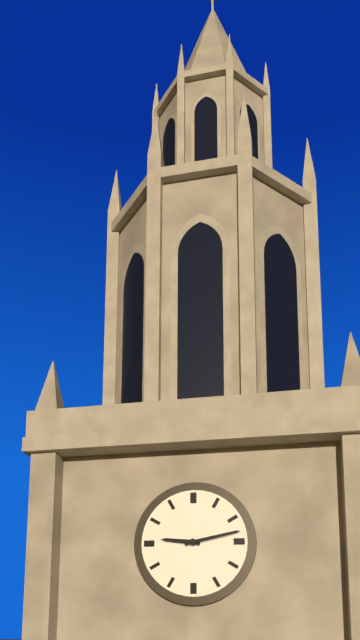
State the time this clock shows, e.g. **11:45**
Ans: **9:13**
